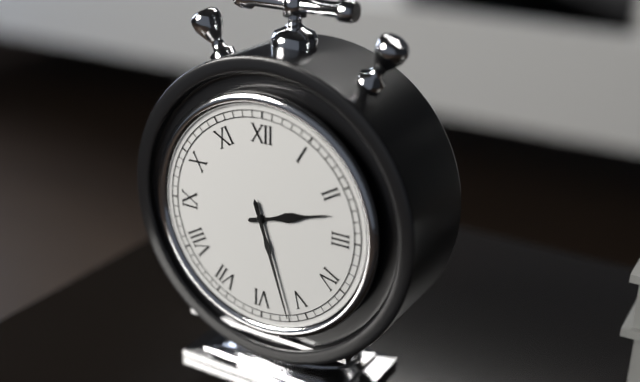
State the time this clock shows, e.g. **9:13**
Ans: **2:27**
